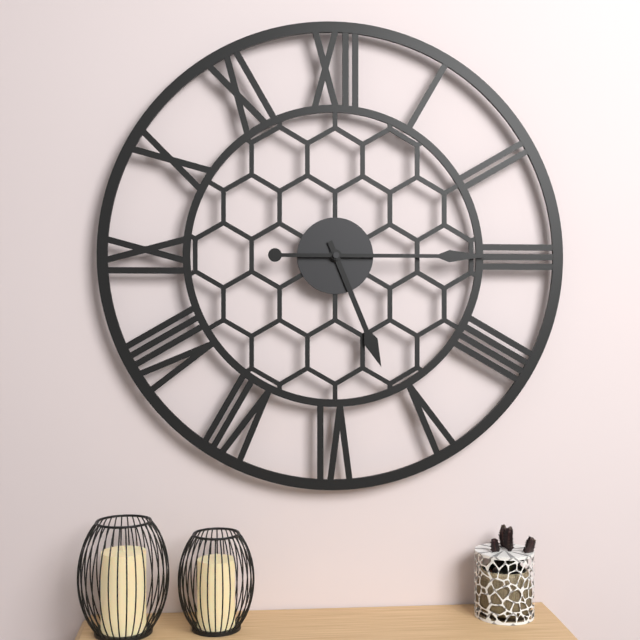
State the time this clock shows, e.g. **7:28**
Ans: **5:15**
